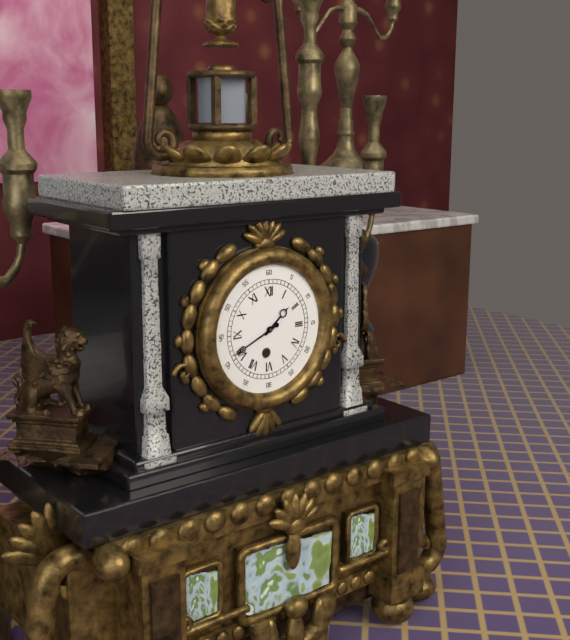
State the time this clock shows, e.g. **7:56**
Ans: **1:41**
